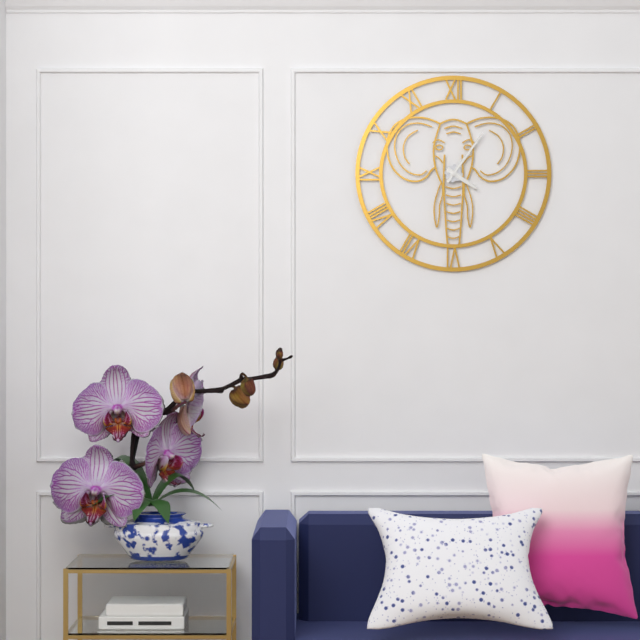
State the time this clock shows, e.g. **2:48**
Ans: **4:06**
